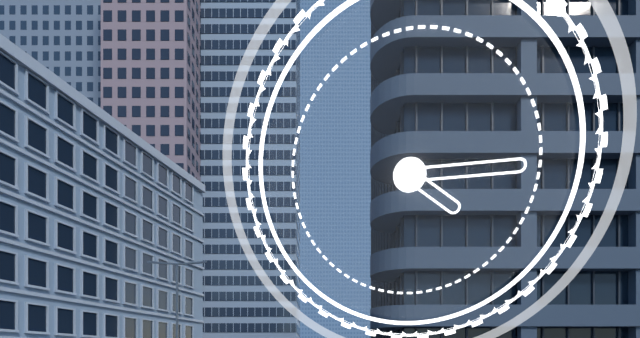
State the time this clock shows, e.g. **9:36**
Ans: **4:15**
